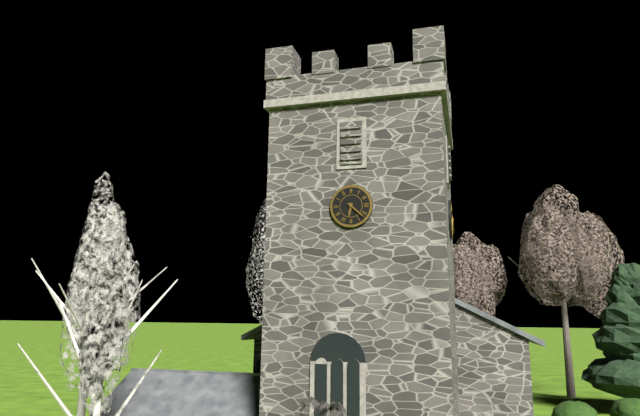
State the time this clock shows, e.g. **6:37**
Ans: **6:22**
